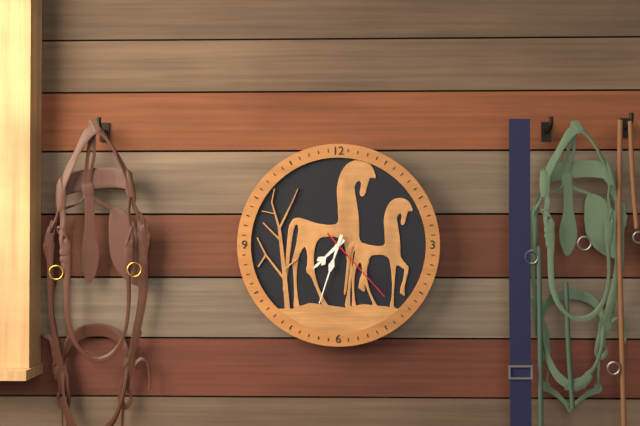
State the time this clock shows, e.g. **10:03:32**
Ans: **7:33:23**
